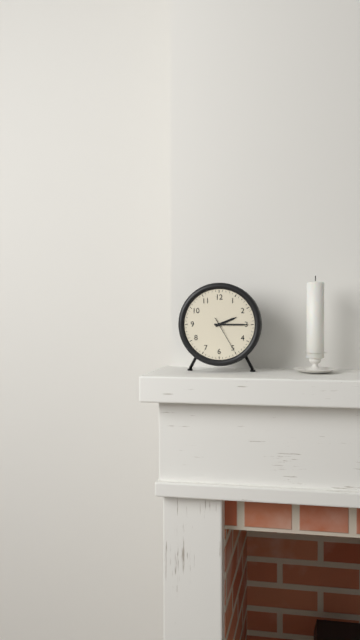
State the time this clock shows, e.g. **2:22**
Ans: **2:15**
